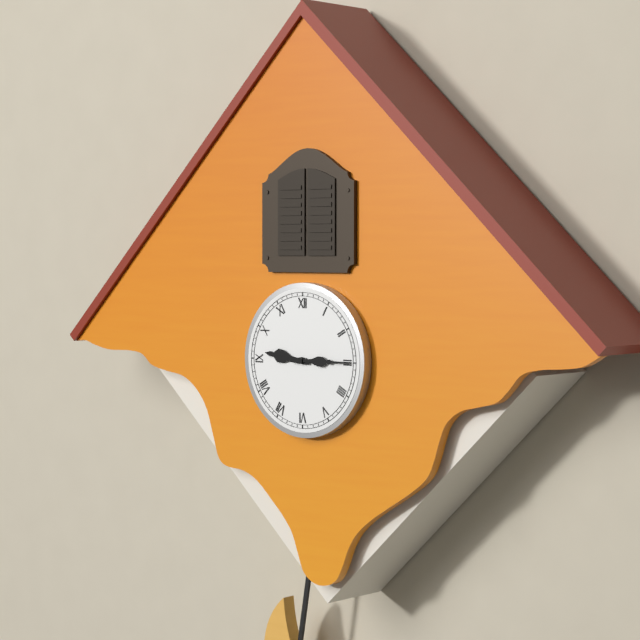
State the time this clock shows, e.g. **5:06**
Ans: **9:15**
